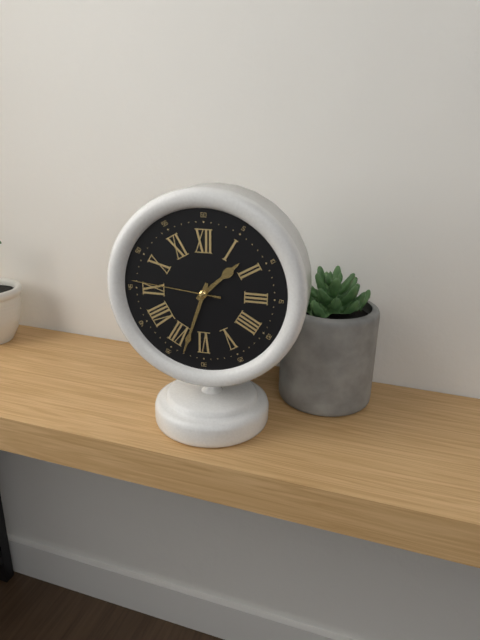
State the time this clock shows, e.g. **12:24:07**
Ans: **1:33:46**
